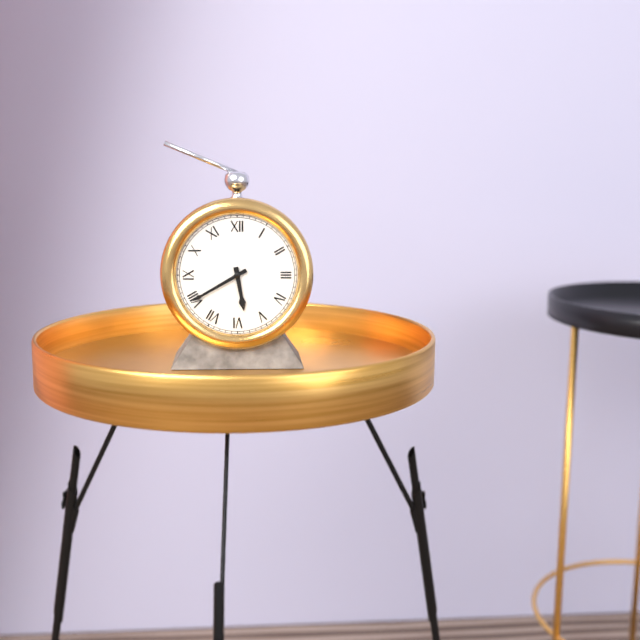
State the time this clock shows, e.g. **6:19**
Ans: **5:40**
